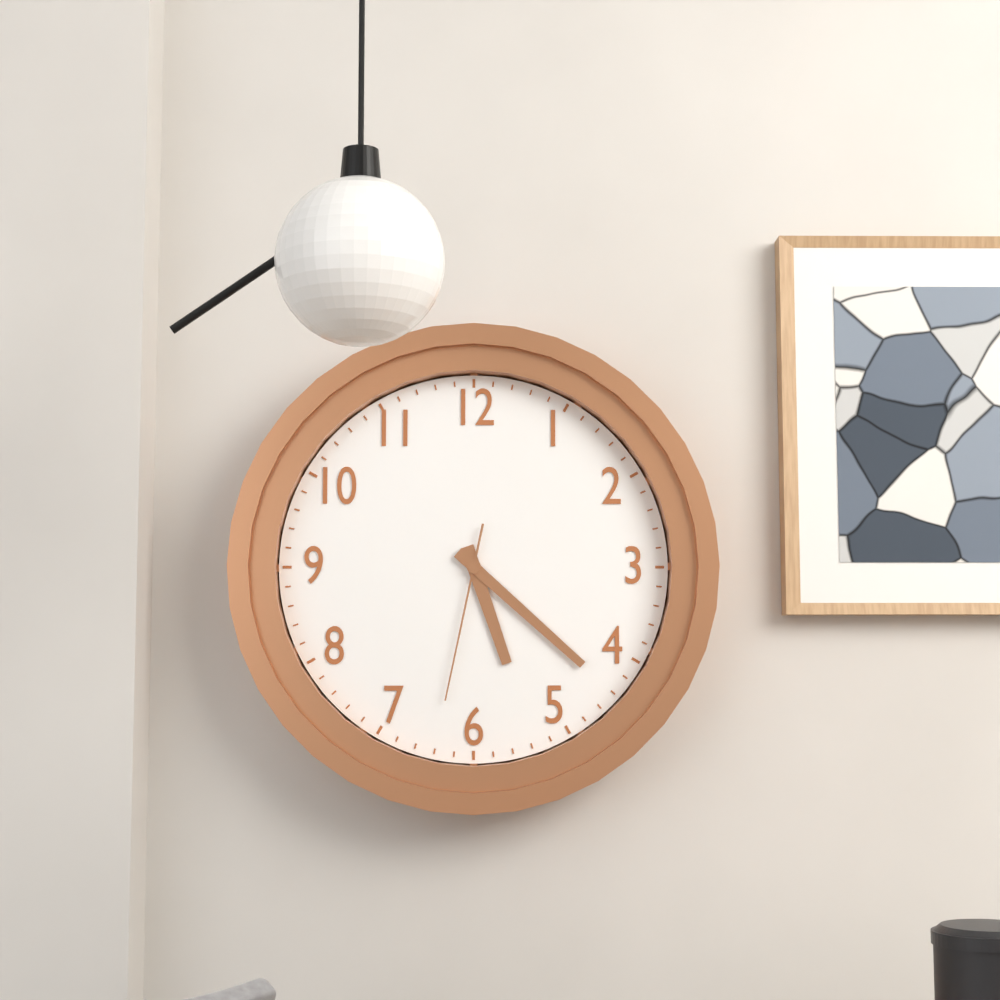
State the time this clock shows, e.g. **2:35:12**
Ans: **5:22:32**
